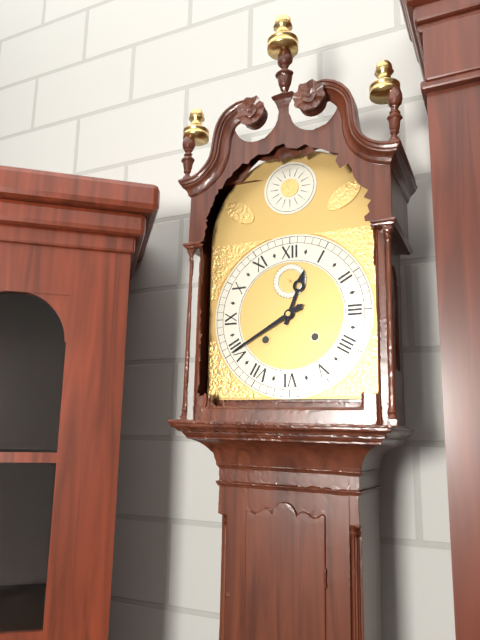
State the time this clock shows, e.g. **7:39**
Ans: **12:40**
